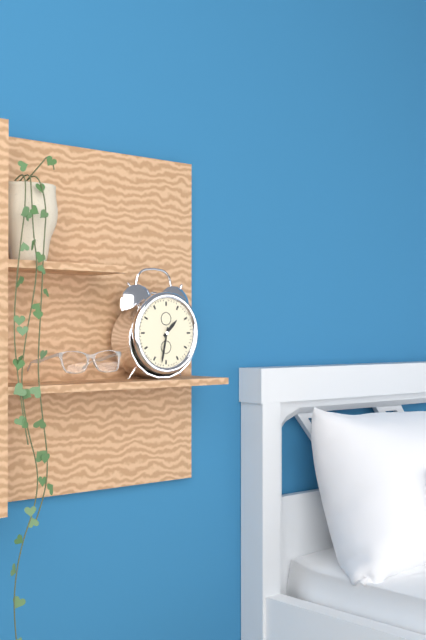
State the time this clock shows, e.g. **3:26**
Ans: **1:32**
